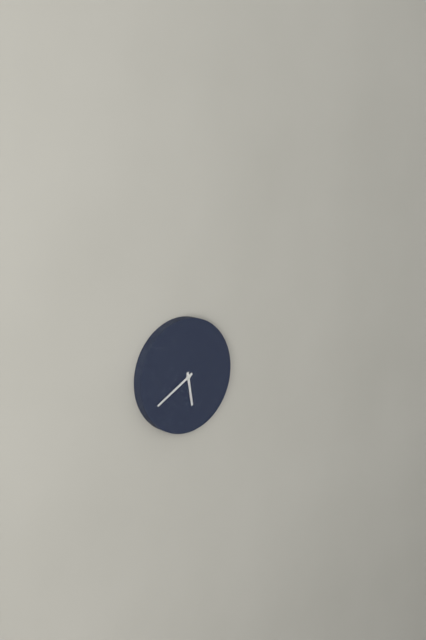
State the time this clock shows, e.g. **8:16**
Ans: **5:40**
